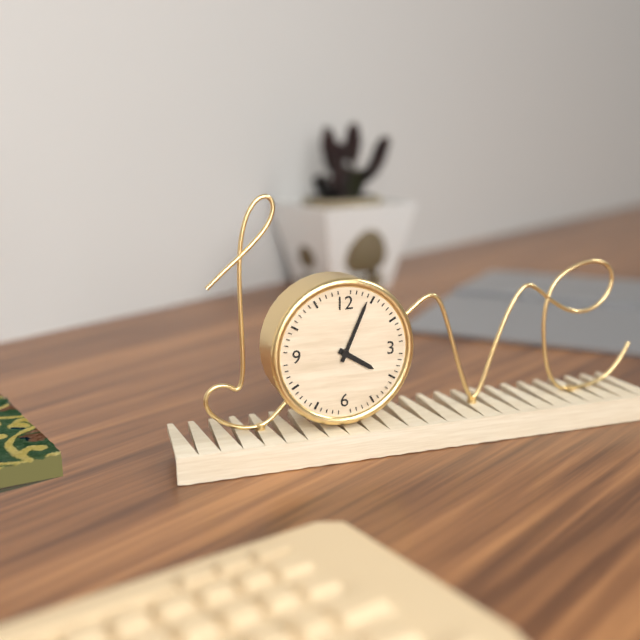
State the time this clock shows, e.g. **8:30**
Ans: **4:04**
